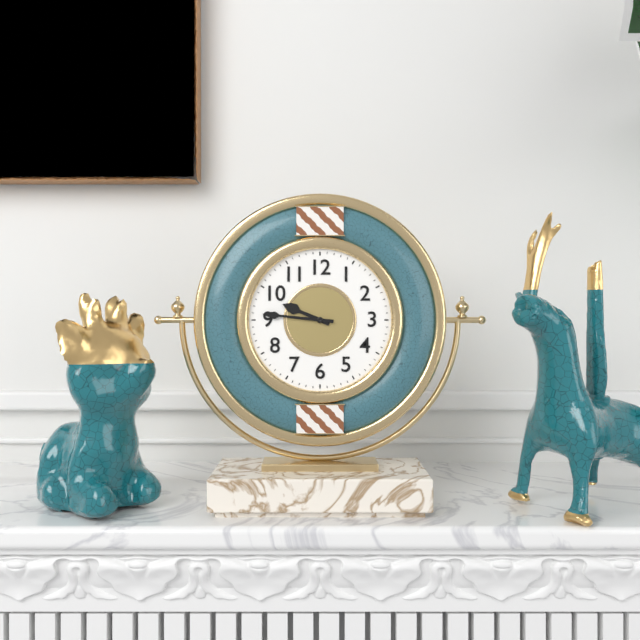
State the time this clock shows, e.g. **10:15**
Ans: **9:46**
